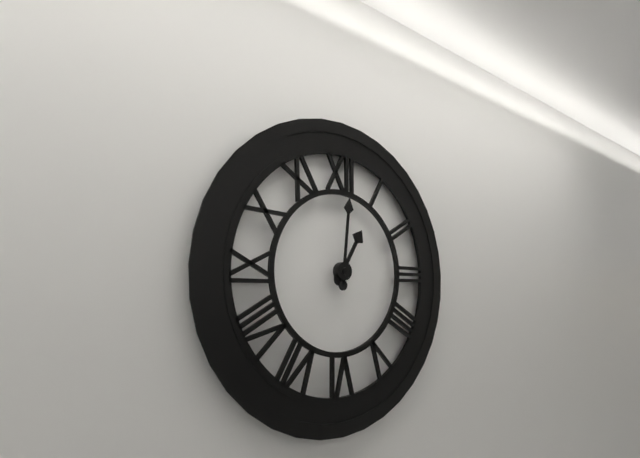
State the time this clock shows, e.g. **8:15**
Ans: **1:01**
